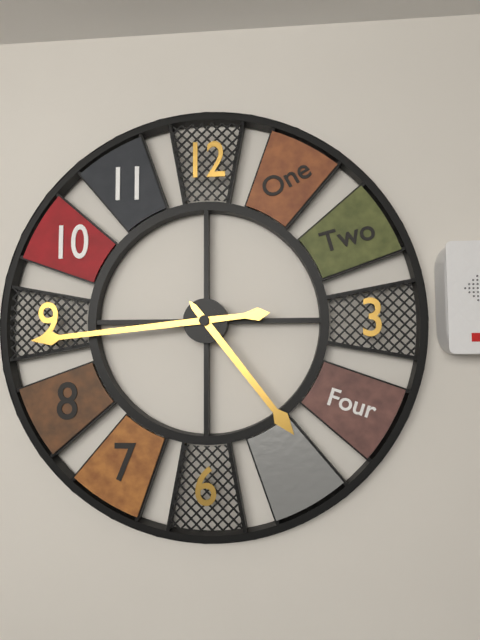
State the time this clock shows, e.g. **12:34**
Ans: **4:44**
